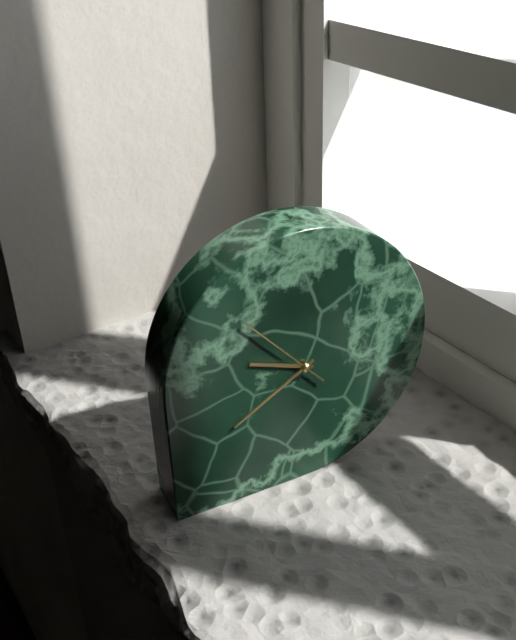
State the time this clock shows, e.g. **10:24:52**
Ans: **9:40:53**
